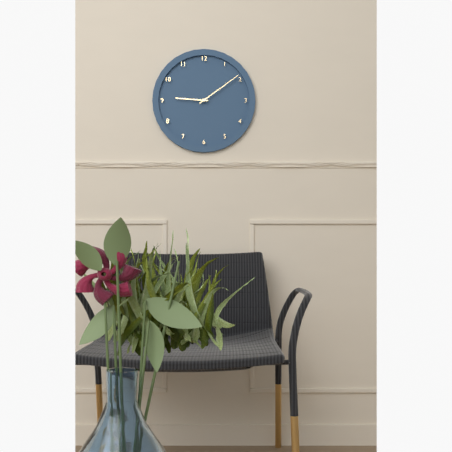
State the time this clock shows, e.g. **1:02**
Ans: **9:09**
